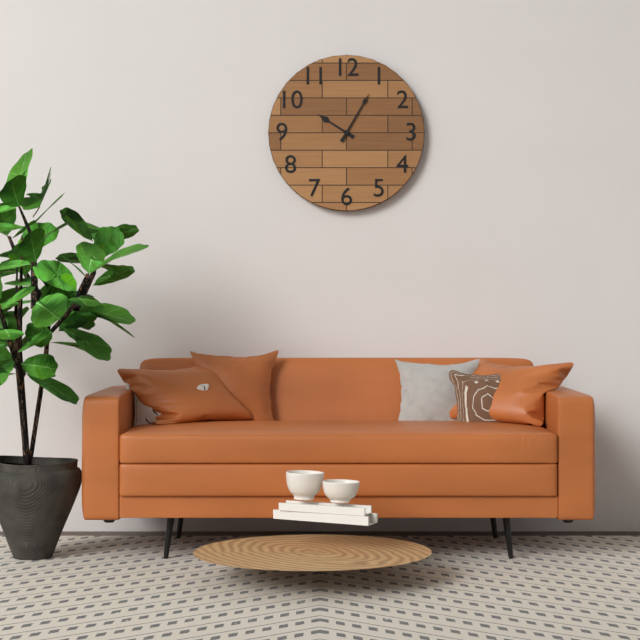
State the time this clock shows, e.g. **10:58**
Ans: **10:05**
